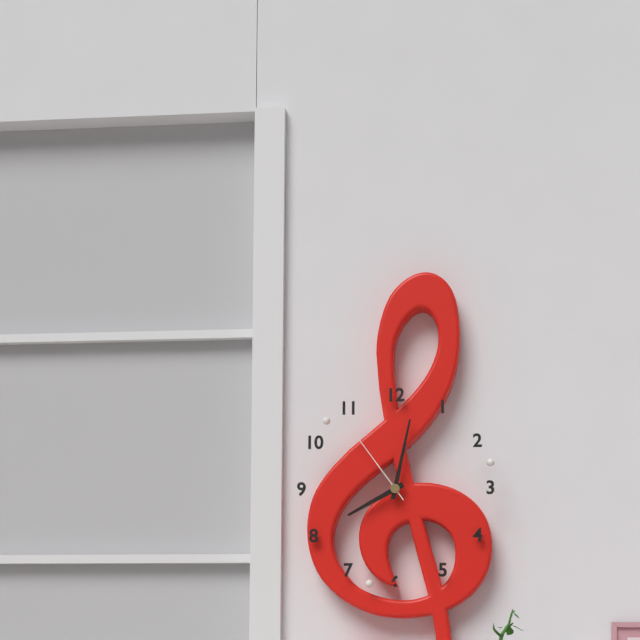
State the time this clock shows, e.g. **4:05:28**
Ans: **8:02:54**
